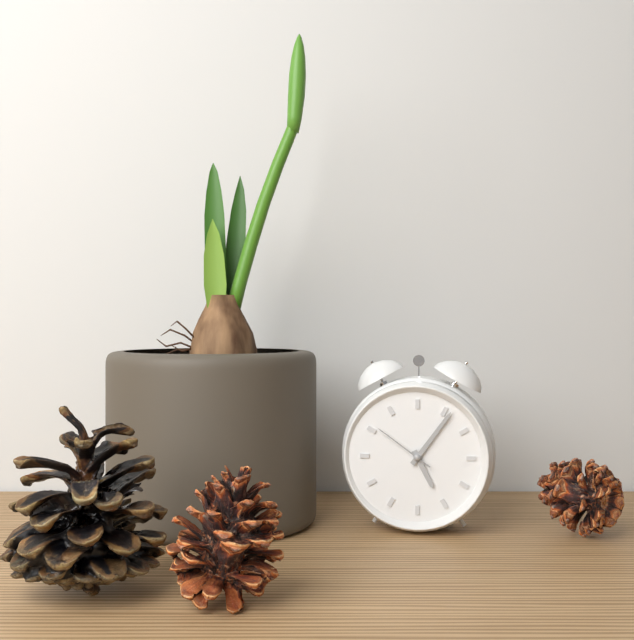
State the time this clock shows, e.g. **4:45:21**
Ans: **5:06:51**
